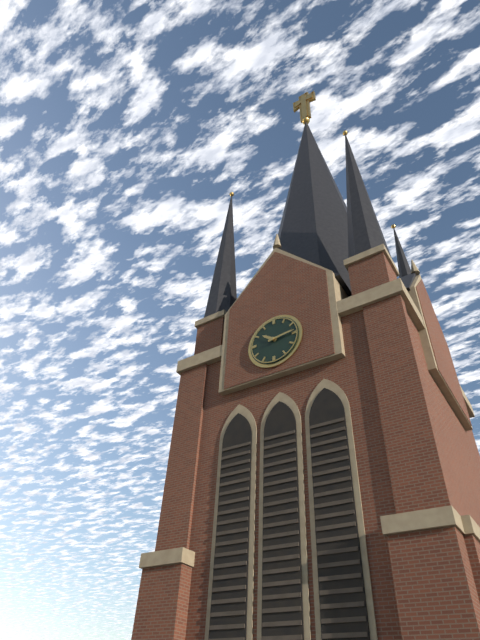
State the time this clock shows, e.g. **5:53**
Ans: **10:14**
